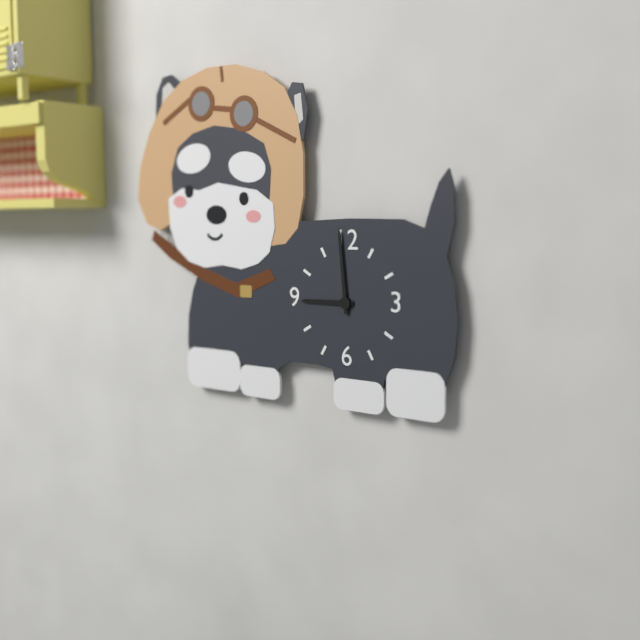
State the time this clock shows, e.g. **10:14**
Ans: **8:59**
